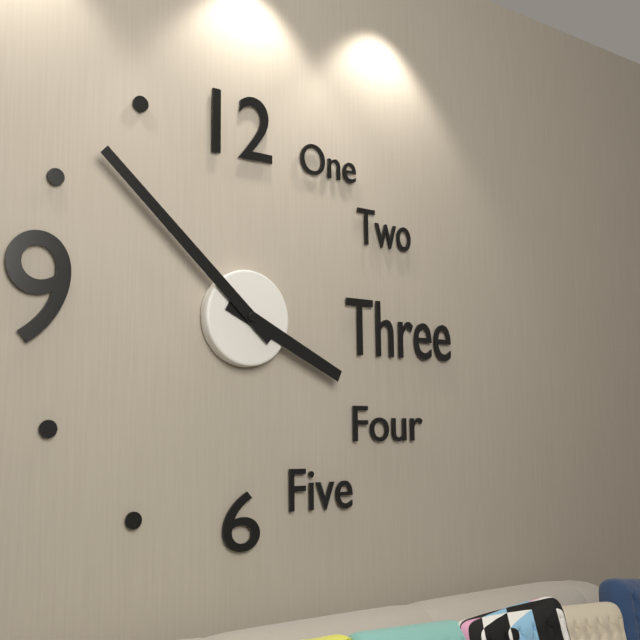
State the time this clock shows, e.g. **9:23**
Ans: **3:52**
